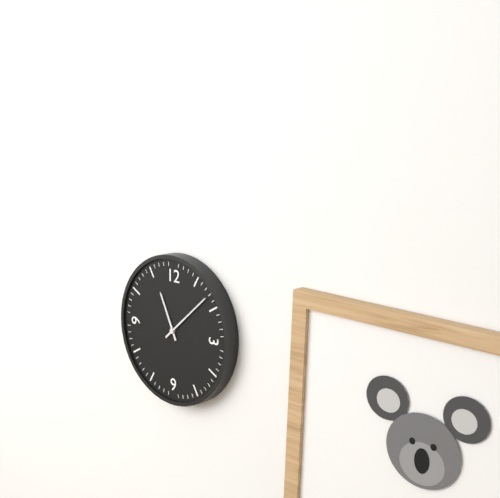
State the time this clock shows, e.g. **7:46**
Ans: **11:08**
